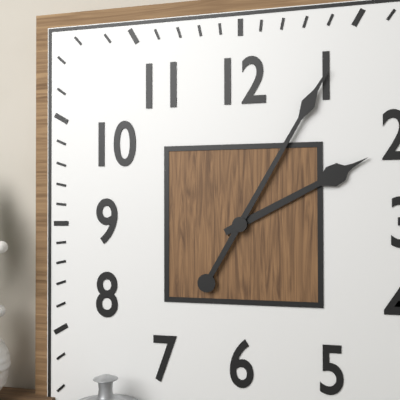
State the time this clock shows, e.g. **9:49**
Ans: **2:05**
